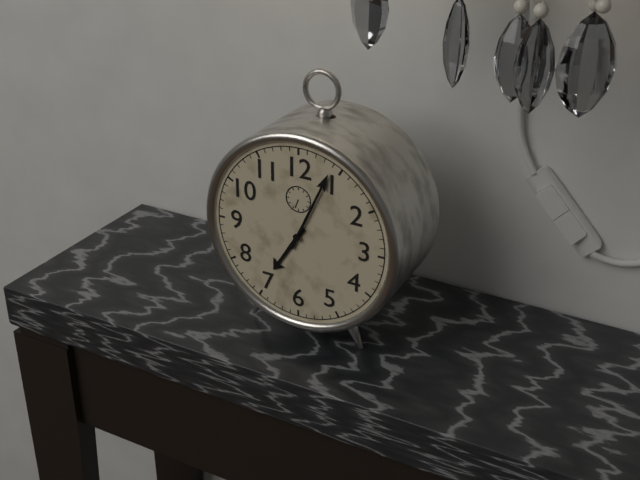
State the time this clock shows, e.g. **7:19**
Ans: **7:04**
